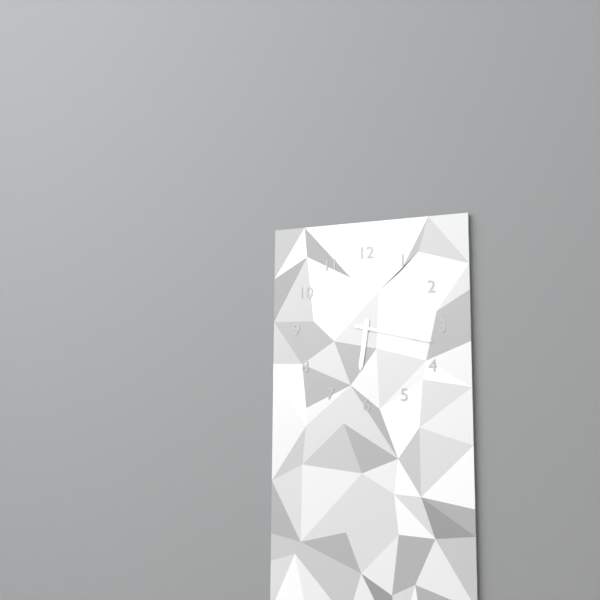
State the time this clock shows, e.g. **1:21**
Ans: **6:17**
